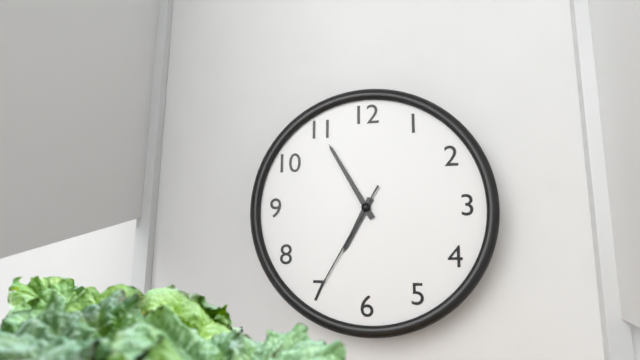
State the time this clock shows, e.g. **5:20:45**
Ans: **6:55:35**
